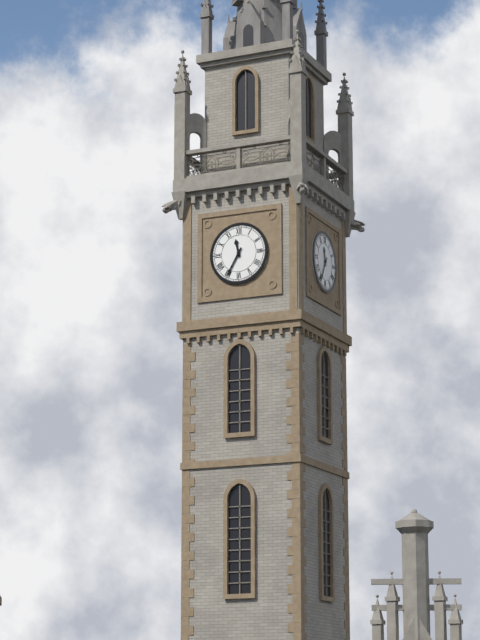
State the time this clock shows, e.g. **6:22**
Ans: **11:35**
